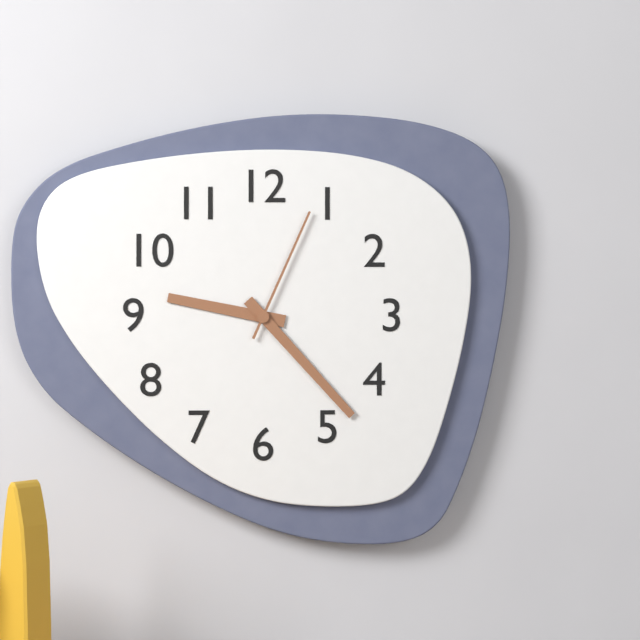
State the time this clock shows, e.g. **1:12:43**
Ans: **9:23:04**
